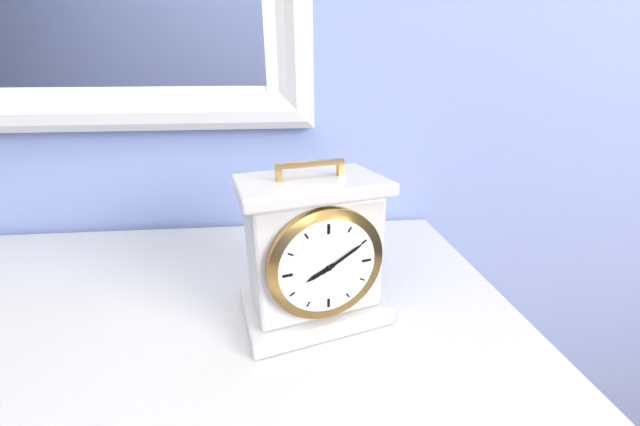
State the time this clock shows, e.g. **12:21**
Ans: **8:10**
